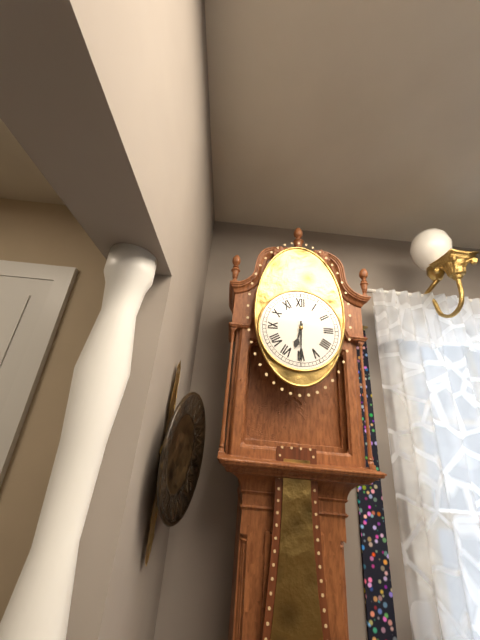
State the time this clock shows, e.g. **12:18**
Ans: **6:30**
